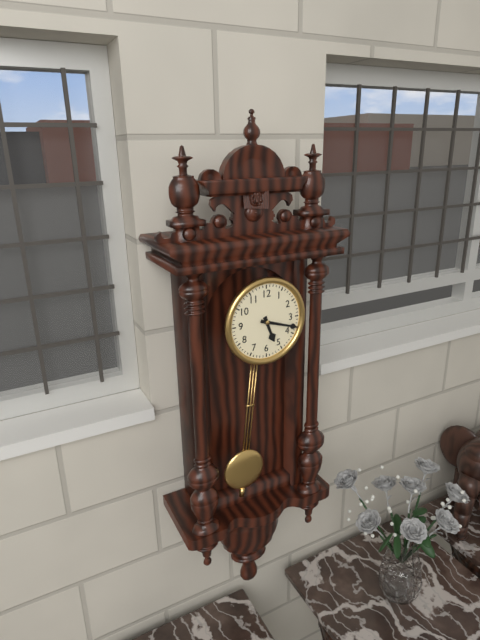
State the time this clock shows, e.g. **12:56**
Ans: **5:18**
